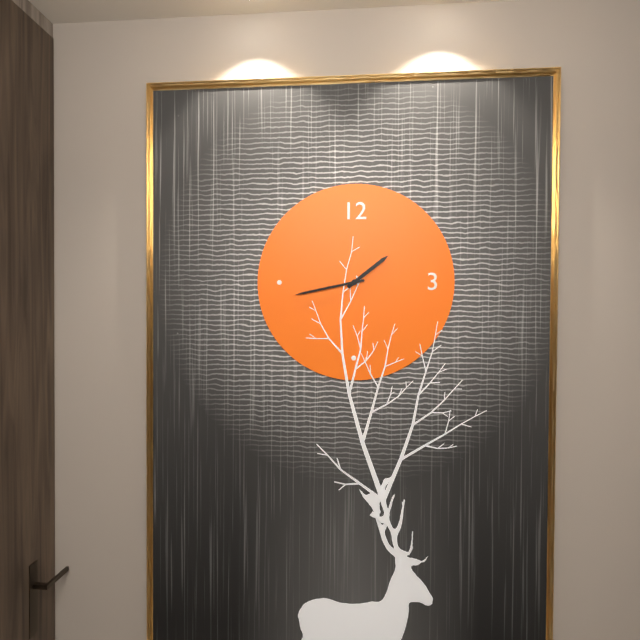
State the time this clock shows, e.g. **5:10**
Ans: **1:43**
